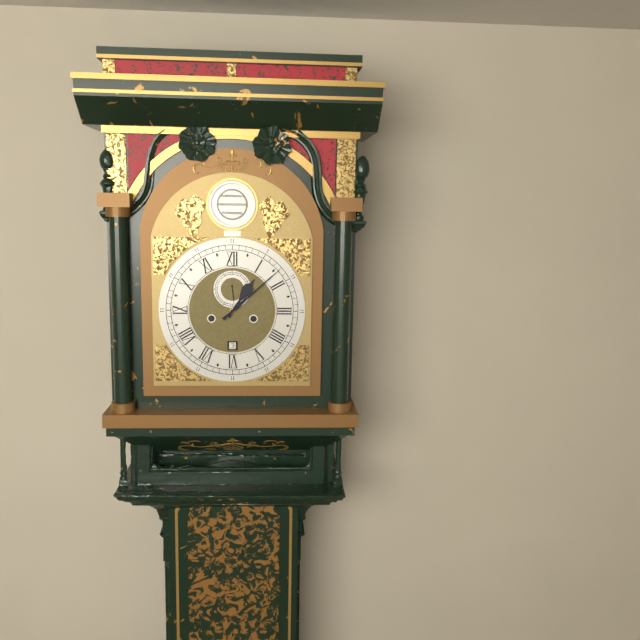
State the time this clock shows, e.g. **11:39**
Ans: **1:08**
